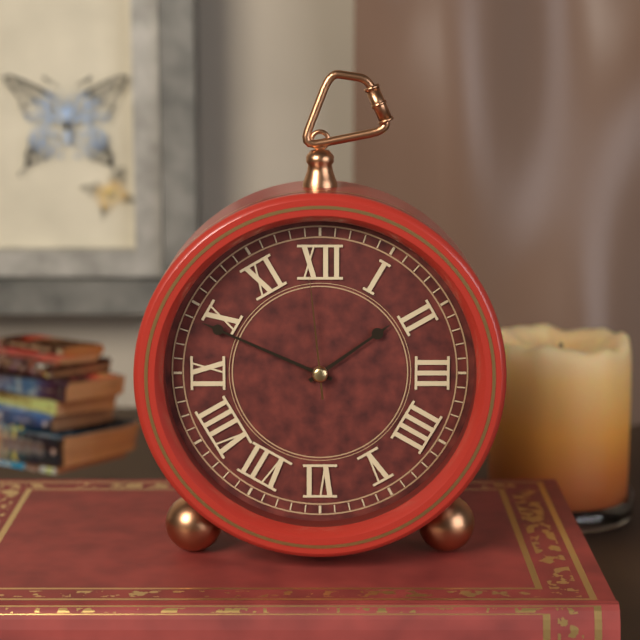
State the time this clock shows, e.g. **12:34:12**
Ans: **1:49:59**
